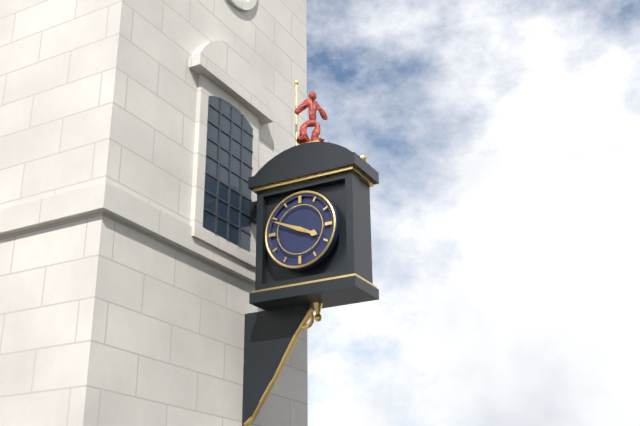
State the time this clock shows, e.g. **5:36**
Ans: **3:49**
